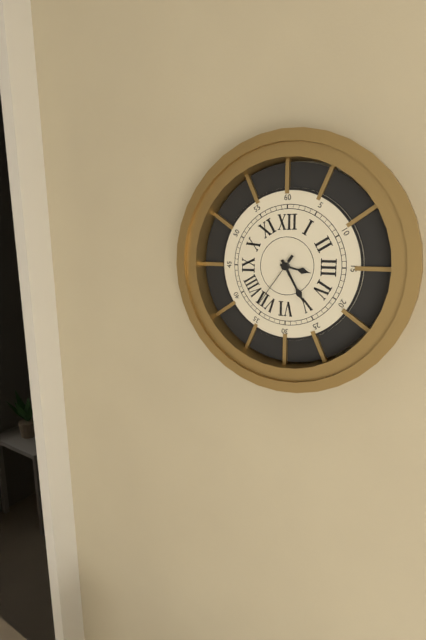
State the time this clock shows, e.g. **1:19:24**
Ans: **3:25:36**
